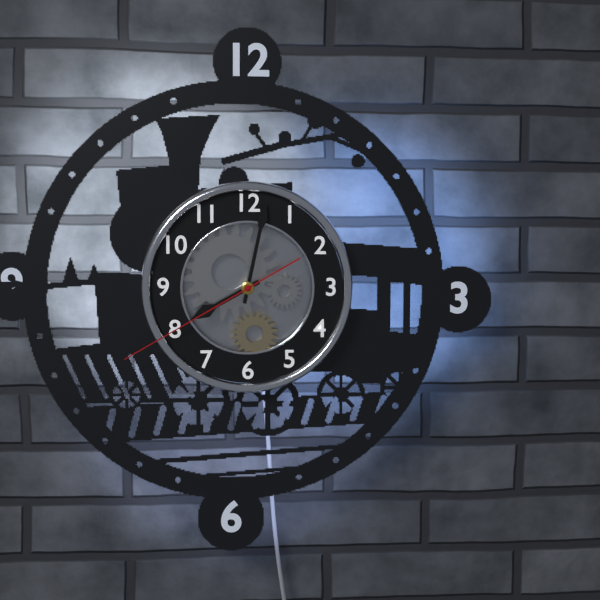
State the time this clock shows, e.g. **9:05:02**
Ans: **8:02:40**
